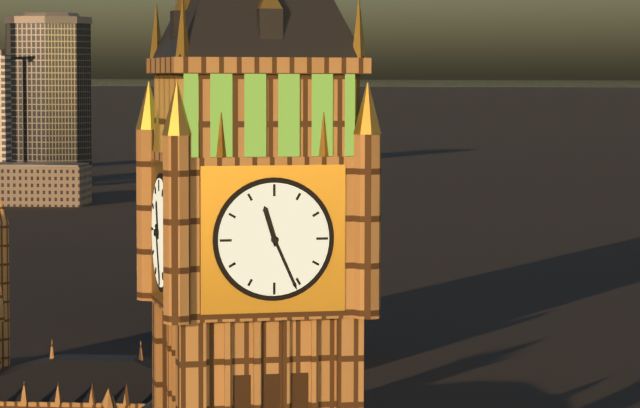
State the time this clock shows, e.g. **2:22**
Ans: **11:26**
